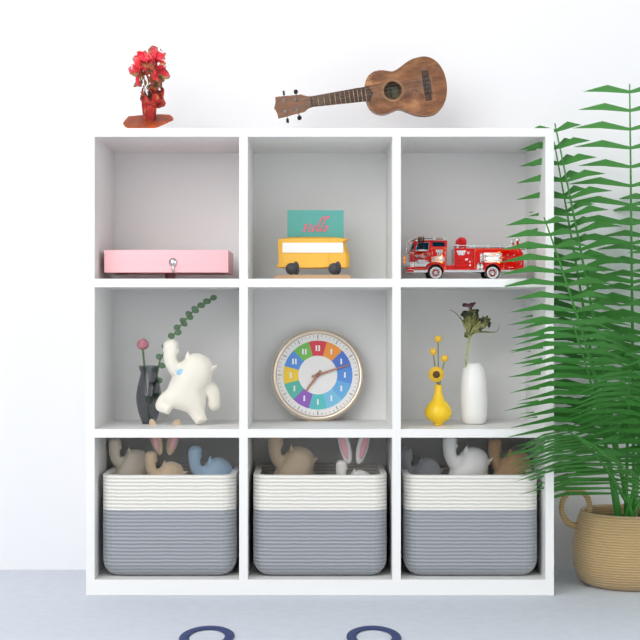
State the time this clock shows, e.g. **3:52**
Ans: **7:12**
